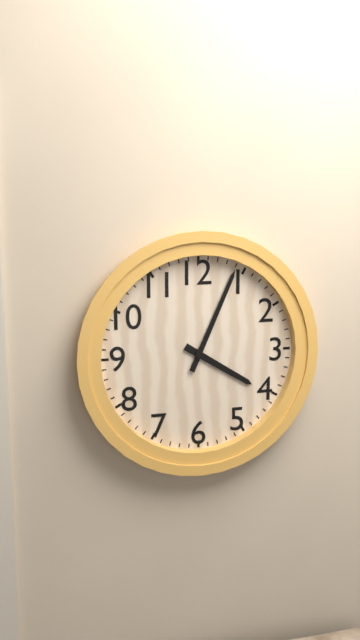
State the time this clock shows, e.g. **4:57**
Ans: **4:04**
